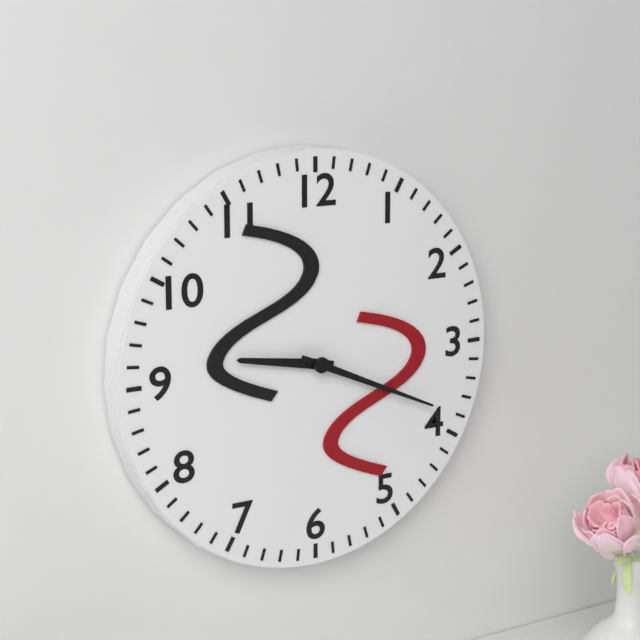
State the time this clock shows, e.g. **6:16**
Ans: **9:19**
